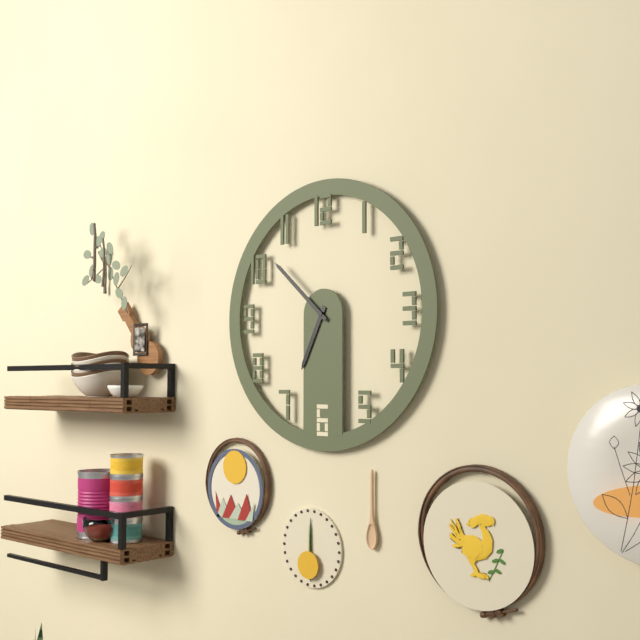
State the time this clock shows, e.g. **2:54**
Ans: **6:52**
